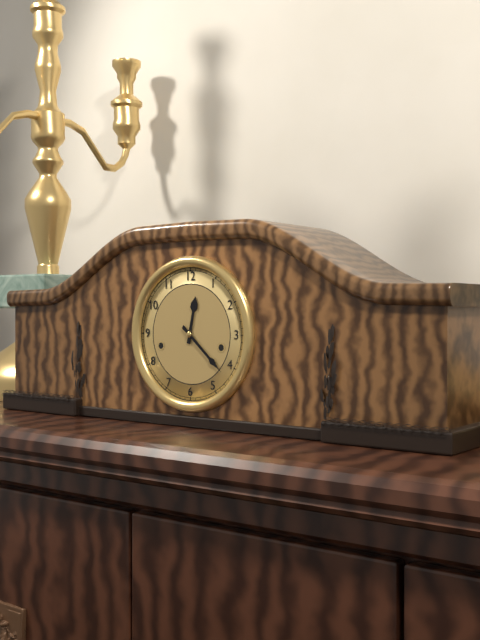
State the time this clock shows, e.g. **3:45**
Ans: **12:22**
